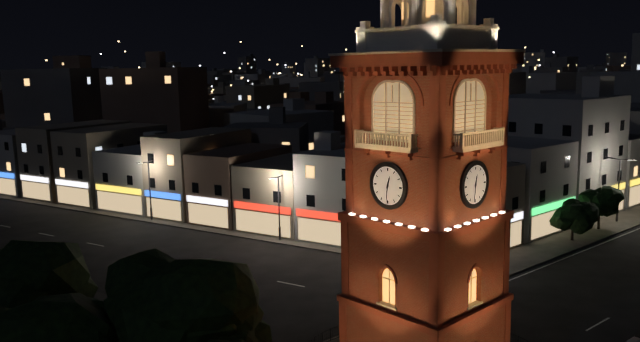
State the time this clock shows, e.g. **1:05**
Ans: **12:31**
